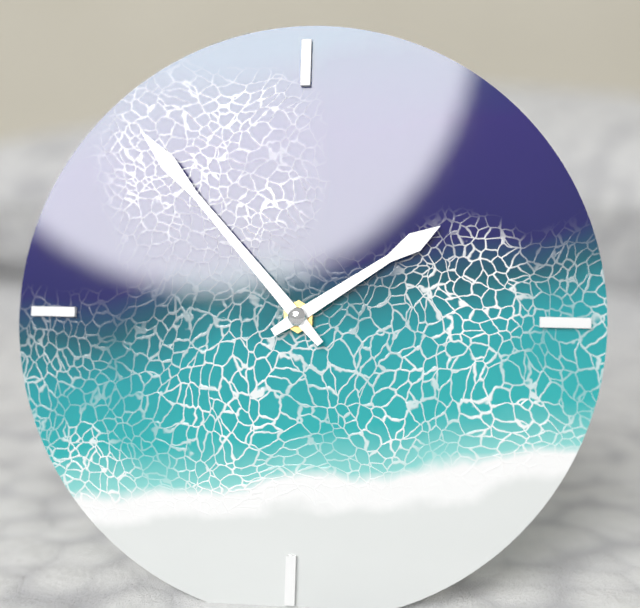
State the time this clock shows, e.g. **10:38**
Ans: **1:53**
